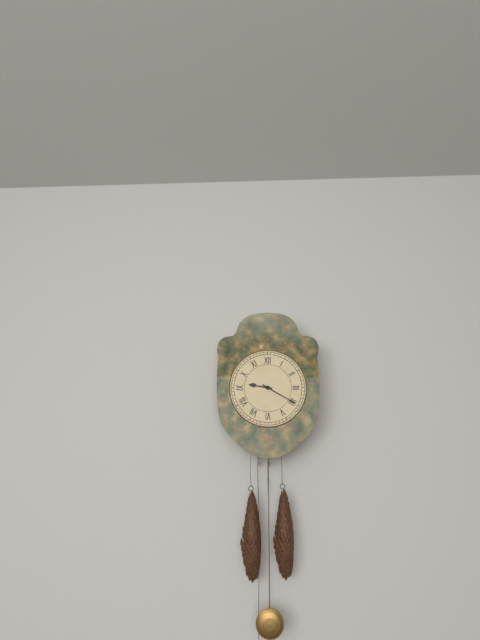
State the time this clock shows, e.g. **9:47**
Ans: **9:20**
